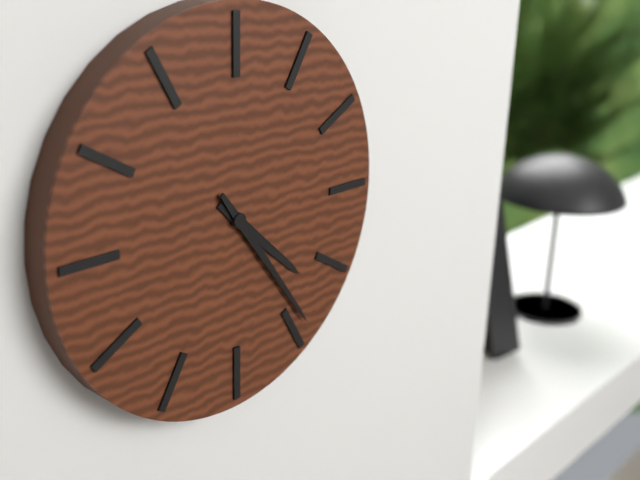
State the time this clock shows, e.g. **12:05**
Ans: **4:24**
